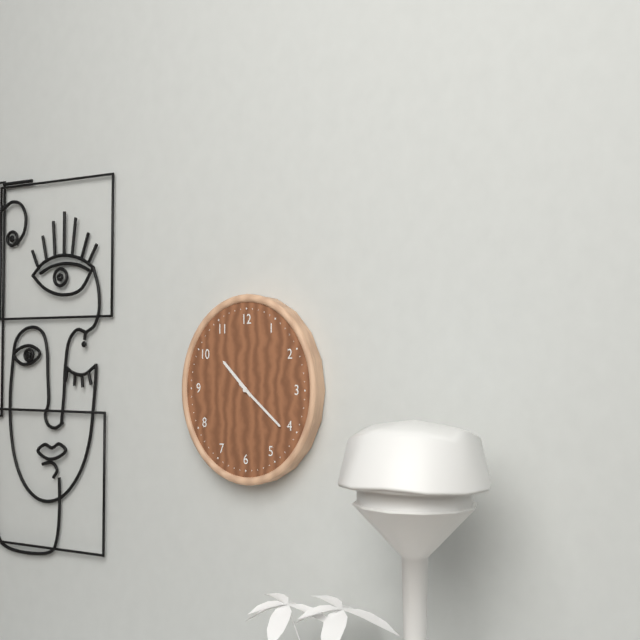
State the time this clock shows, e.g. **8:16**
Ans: **10:21**
